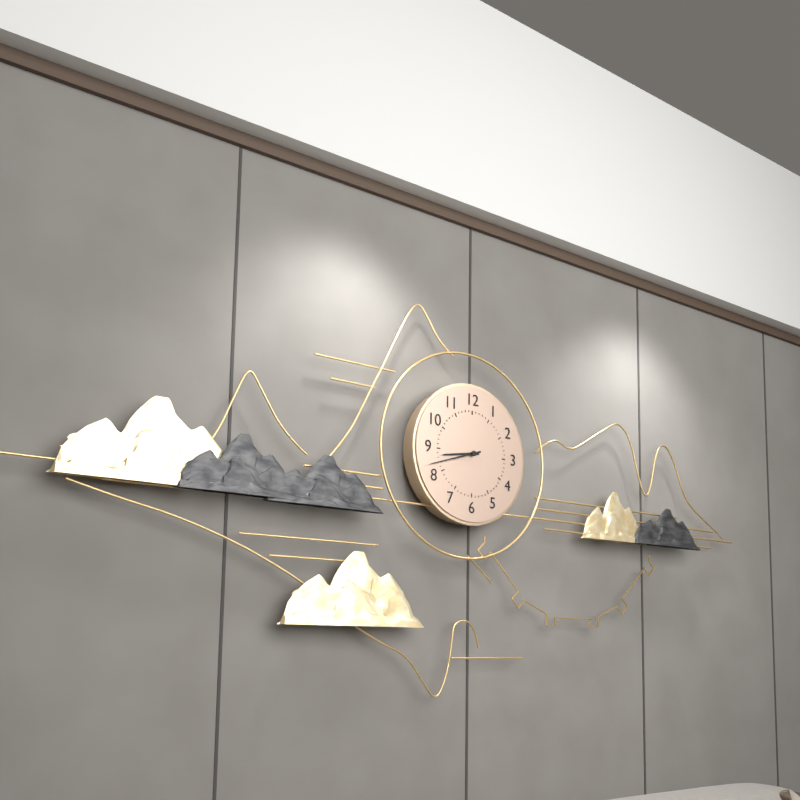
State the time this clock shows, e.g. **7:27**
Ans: **8:42**
